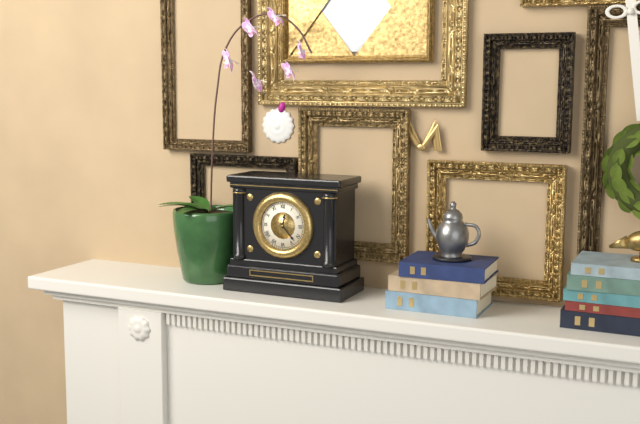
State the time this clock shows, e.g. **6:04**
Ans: **12:23**
